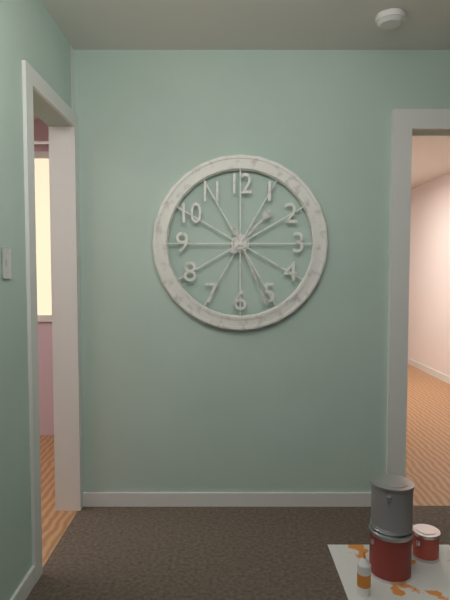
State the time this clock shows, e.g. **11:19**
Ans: **1:26**
